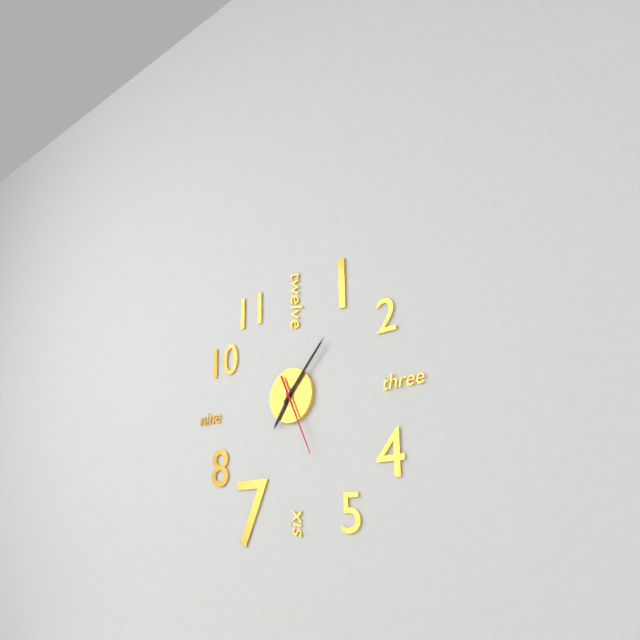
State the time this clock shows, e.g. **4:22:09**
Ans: **7:07:26**
